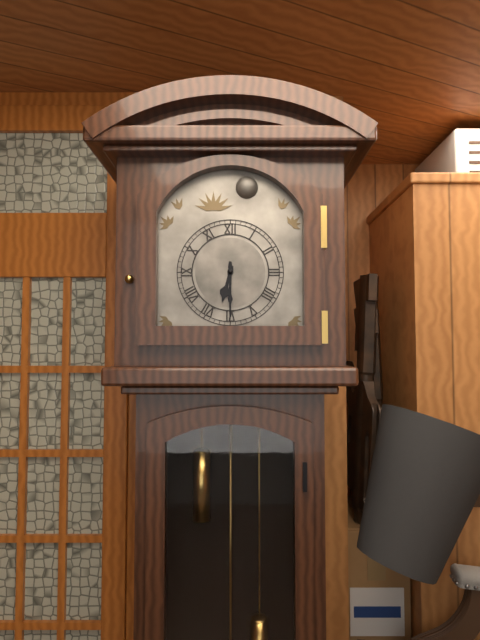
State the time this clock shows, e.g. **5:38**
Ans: **6:30**
